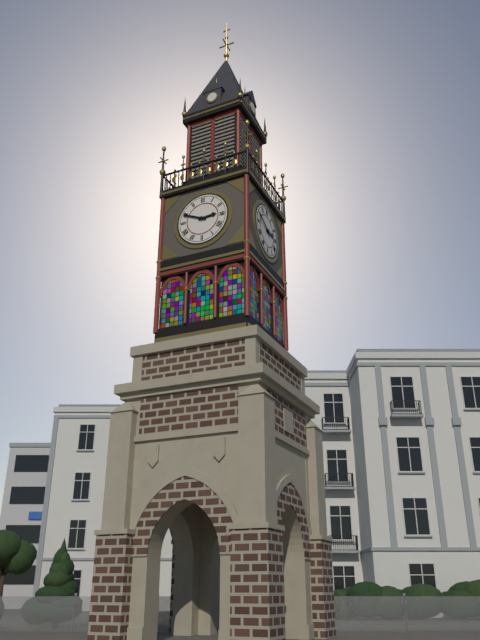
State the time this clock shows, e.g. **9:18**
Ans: **2:49**
